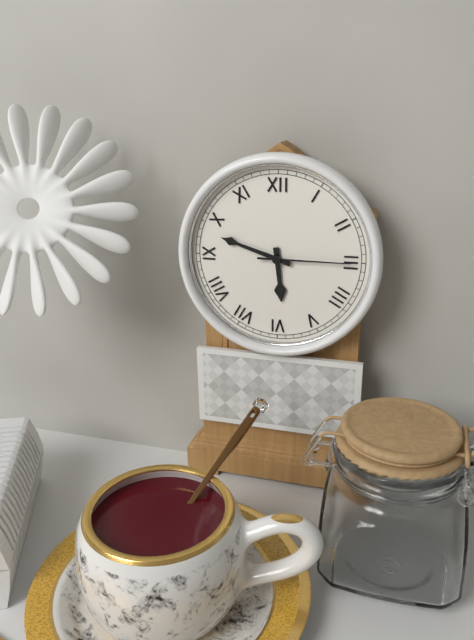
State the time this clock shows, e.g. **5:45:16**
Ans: **5:48:15**
